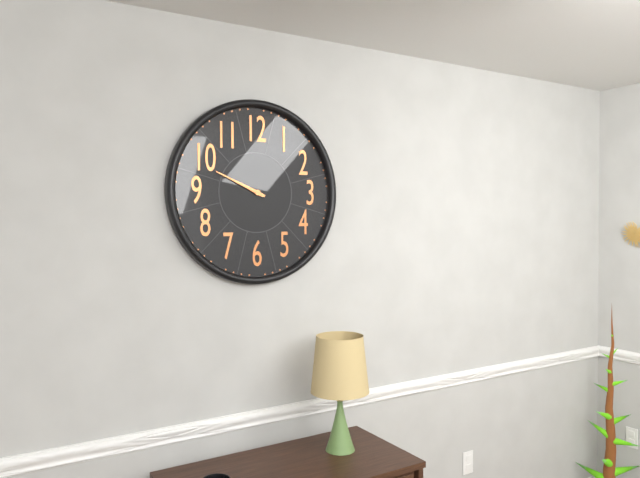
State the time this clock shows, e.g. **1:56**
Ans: **9:49**
